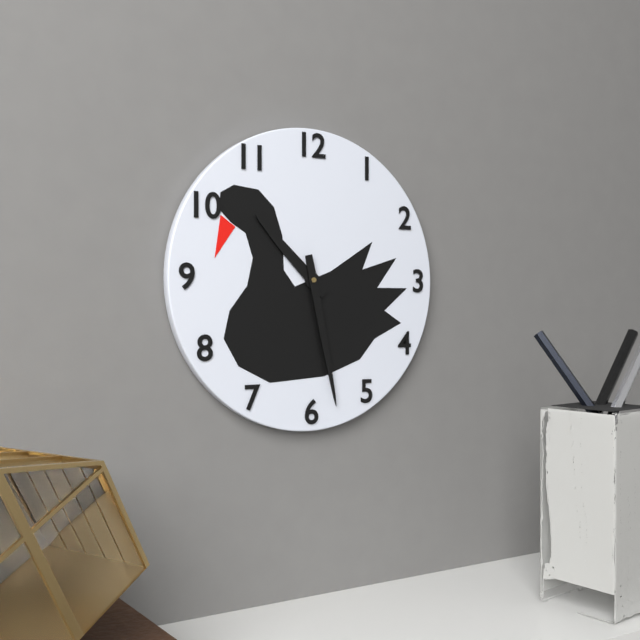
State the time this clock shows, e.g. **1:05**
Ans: **10:28**
